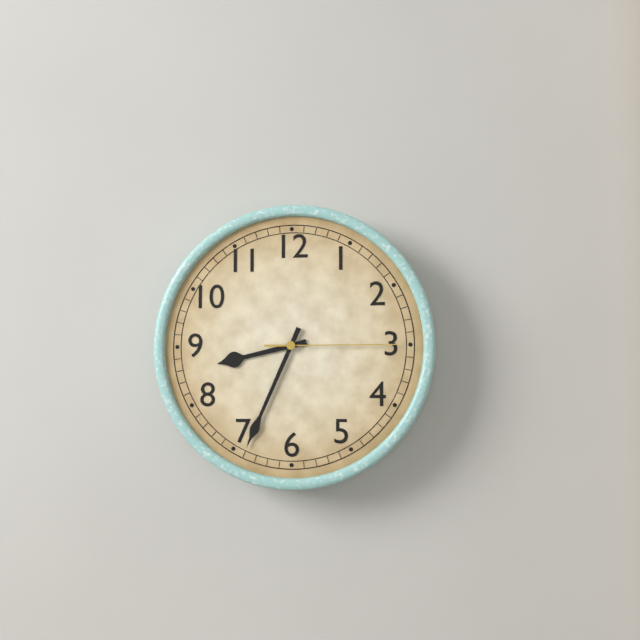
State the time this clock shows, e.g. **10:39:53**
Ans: **8:34:15**
